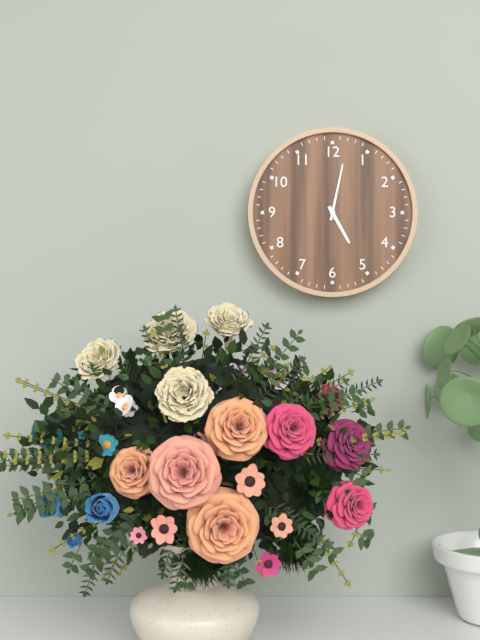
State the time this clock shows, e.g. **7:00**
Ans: **5:02**
